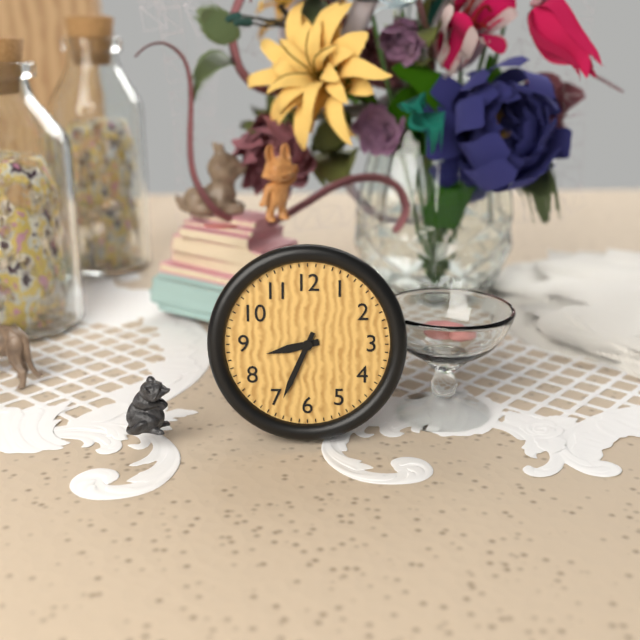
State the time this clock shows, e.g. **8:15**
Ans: **8:34**
